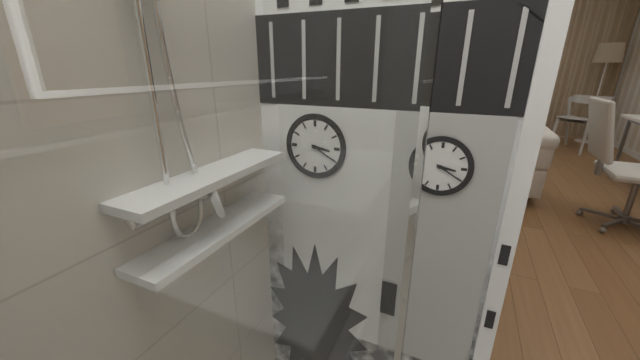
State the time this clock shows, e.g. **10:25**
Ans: **3:20**
